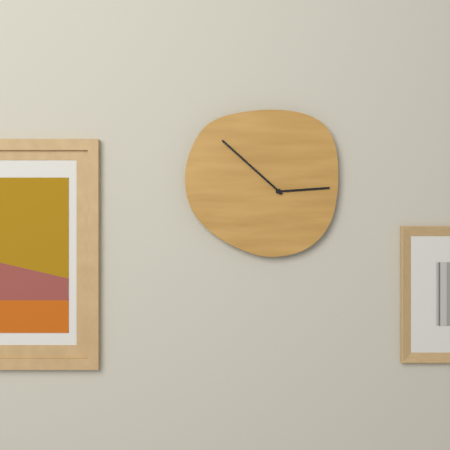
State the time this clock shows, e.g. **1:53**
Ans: **2:52**
